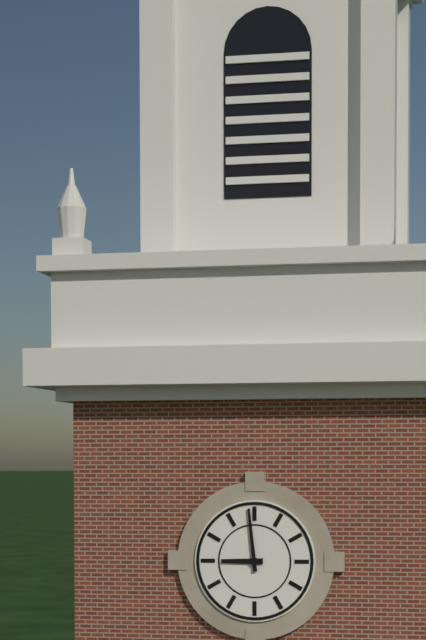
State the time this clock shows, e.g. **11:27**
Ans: **8:59**
